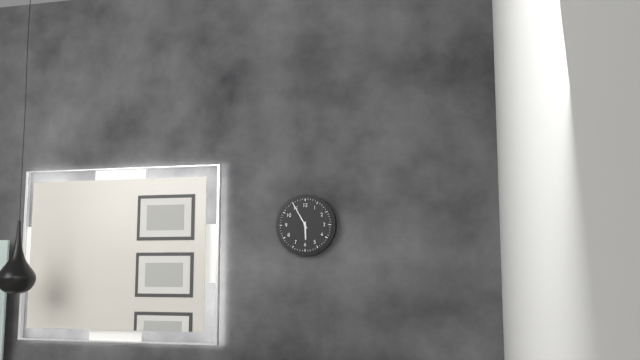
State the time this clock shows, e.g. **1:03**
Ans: **5:55**
